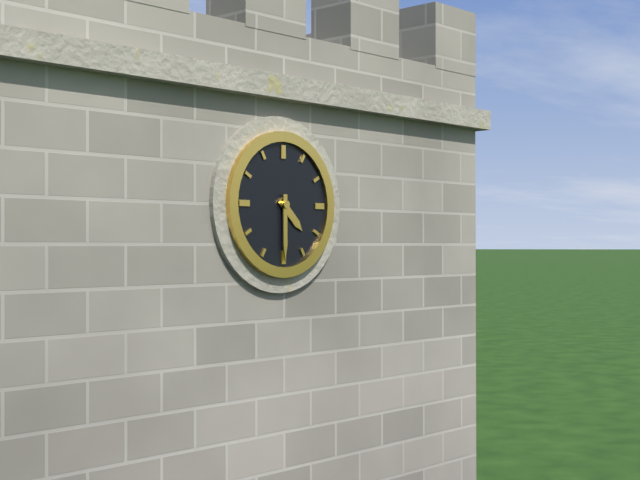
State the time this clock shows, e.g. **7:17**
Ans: **4:30**
